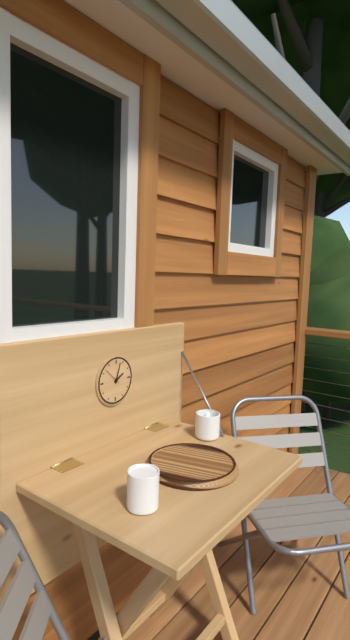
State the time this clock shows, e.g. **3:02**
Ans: **2:03**
